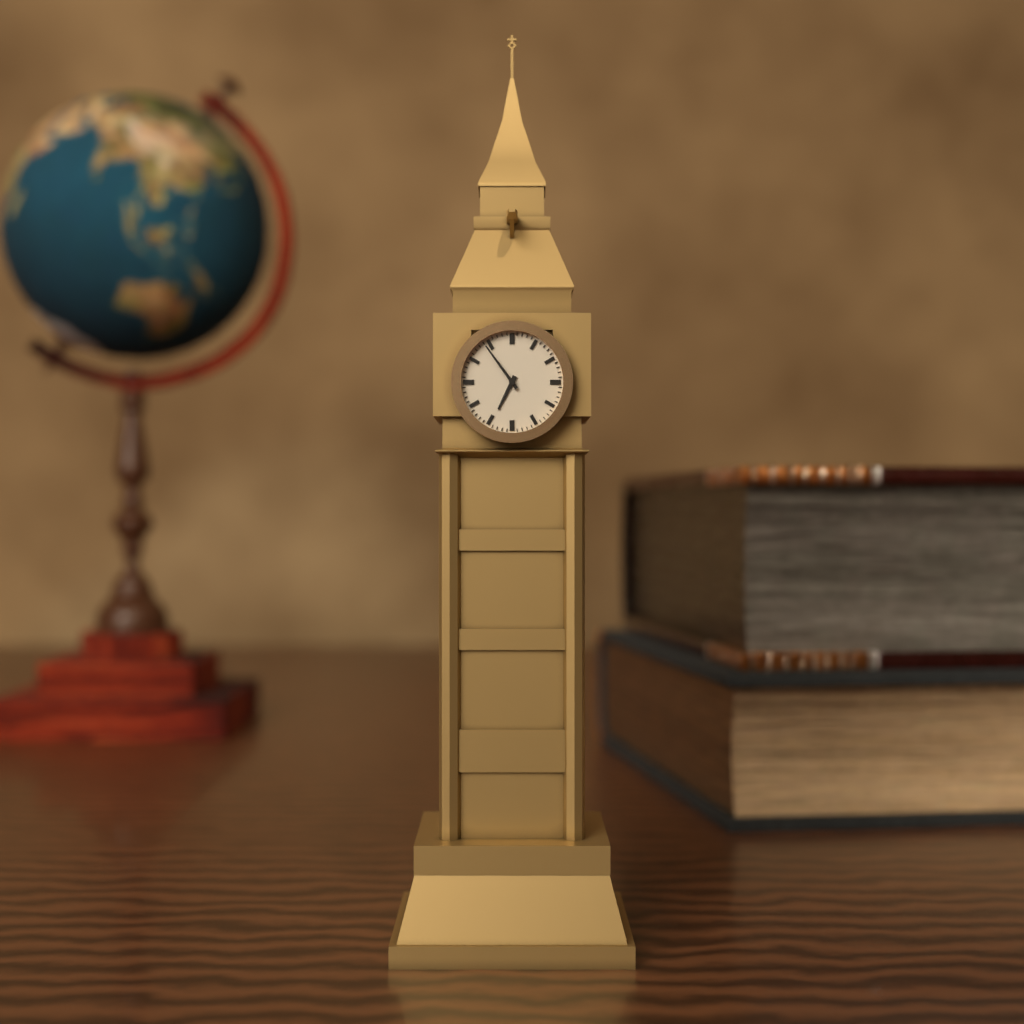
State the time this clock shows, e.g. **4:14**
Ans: **6:54**
